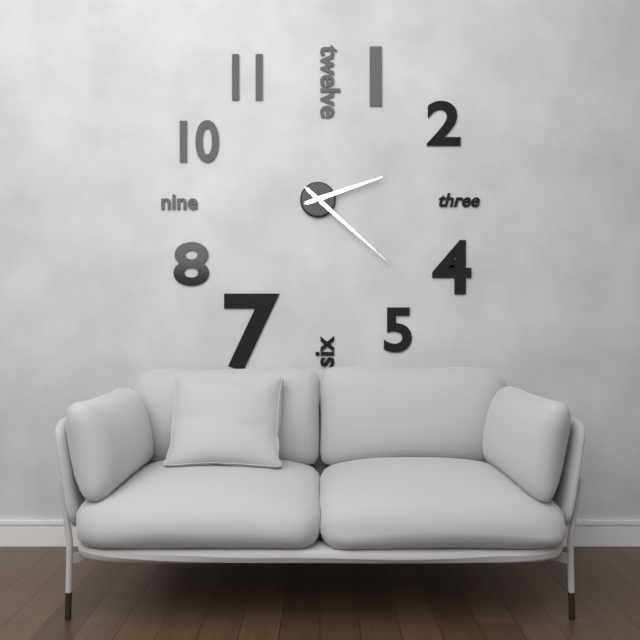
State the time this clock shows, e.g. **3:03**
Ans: **2:22**
